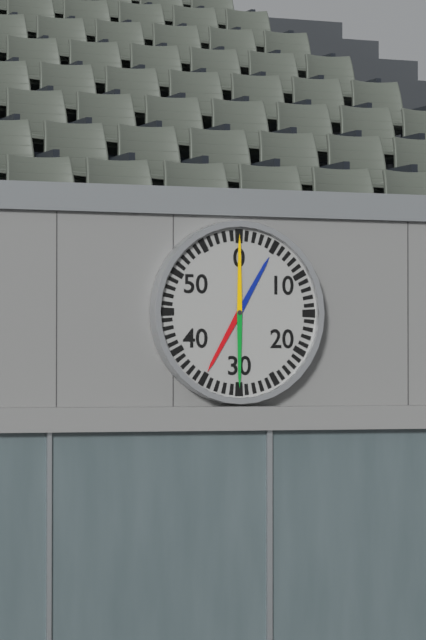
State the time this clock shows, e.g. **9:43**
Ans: **7:00**
